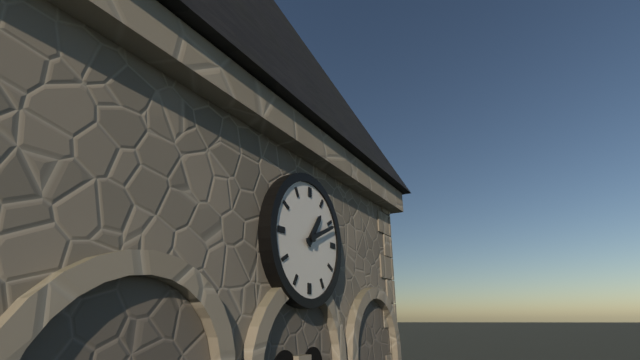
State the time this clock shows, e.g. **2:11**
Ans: **1:11**
